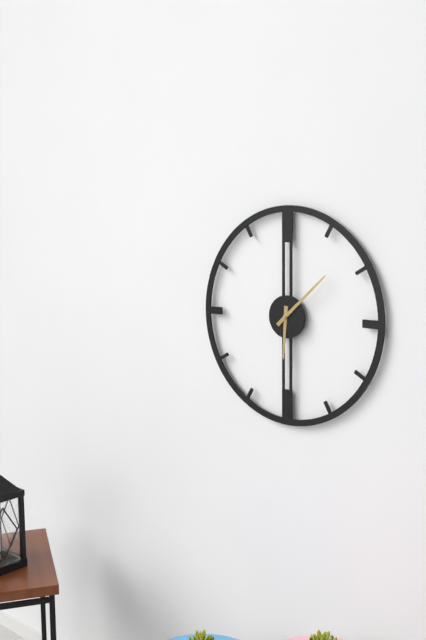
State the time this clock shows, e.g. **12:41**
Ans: **6:08**
